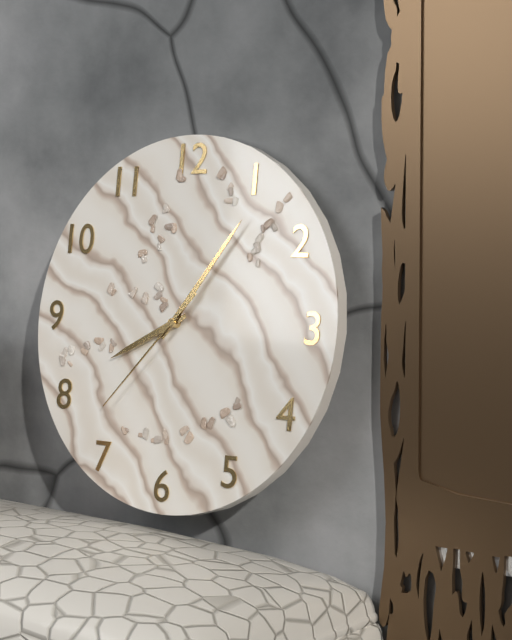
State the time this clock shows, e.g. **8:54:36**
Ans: **8:06:37**
